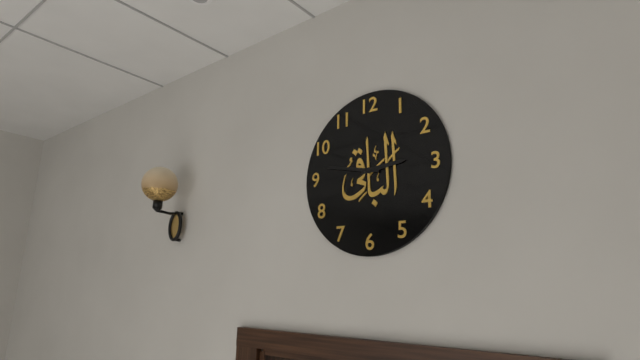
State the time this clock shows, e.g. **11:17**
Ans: **2:47**
